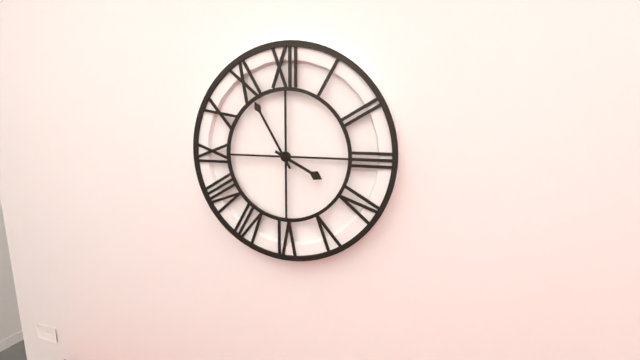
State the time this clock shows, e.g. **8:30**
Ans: **3:55**
